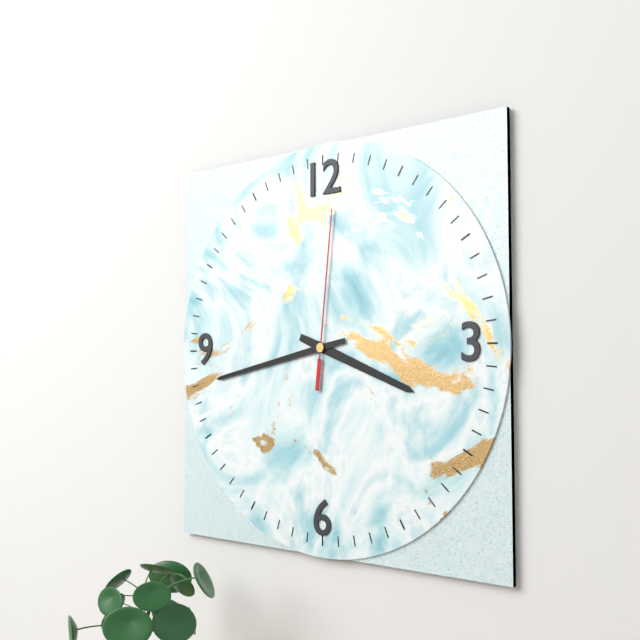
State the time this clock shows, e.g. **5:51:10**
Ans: **3:43:01**
